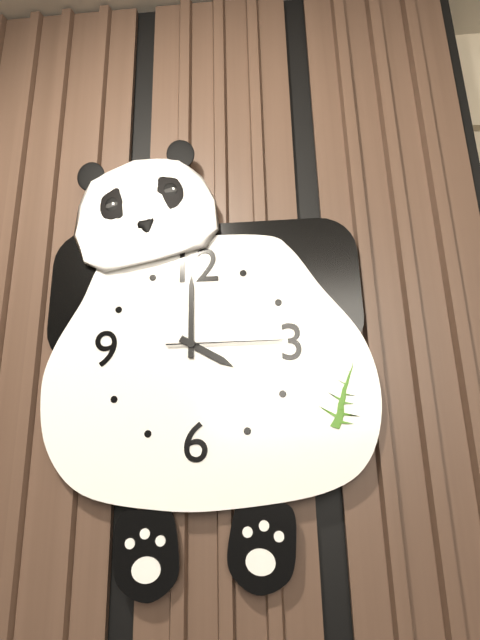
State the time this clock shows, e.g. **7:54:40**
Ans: **4:00:15**
